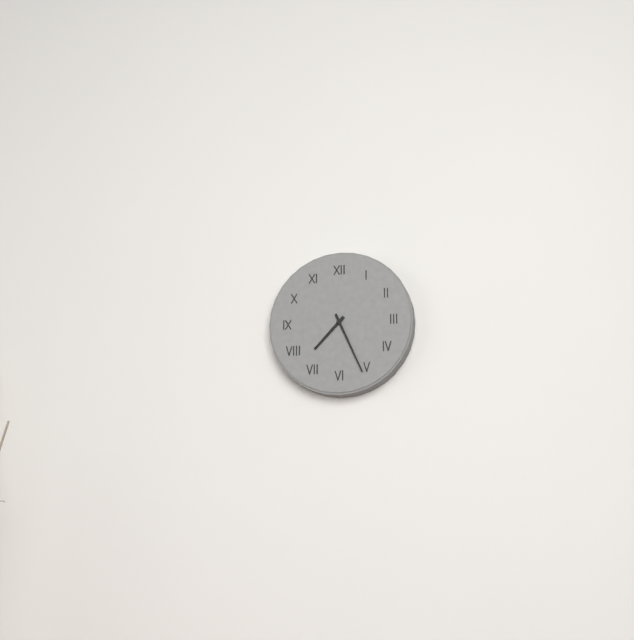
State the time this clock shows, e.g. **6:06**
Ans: **7:26**
